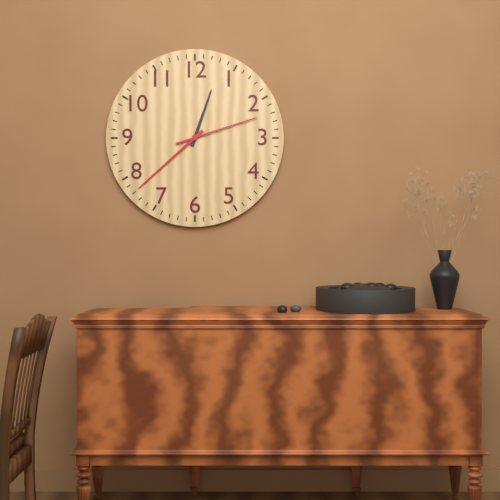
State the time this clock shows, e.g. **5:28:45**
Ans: **12:38:12**
